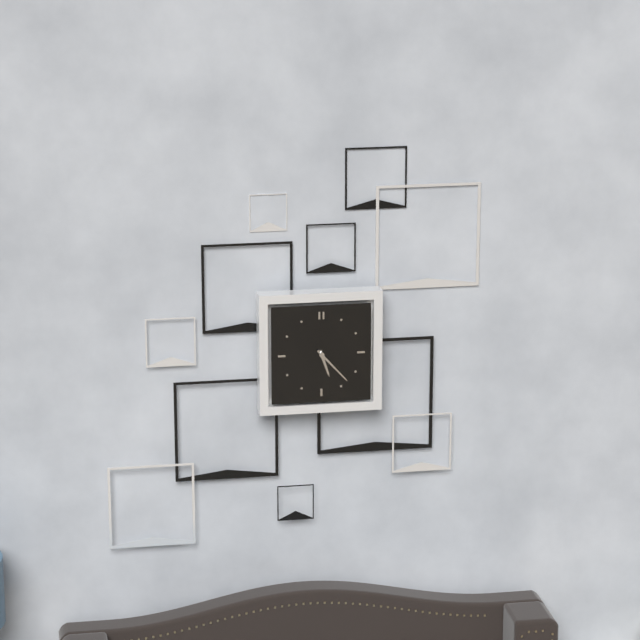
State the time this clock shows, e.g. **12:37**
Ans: **5:23**
